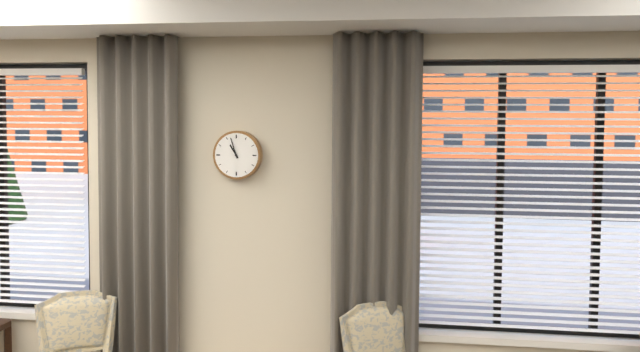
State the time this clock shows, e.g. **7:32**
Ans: **10:57**
